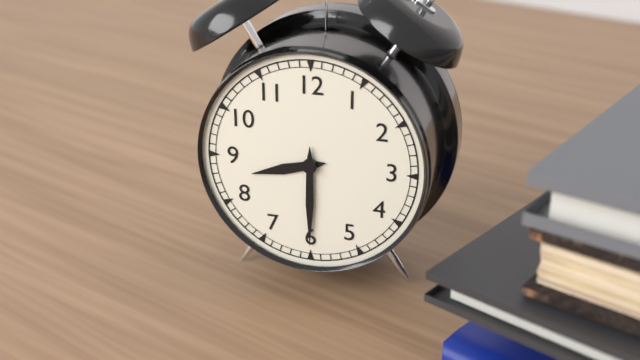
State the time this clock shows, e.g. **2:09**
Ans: **8:30**
